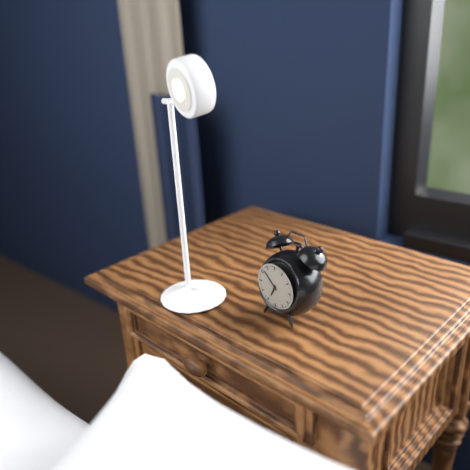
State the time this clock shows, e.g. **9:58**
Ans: **6:52**
